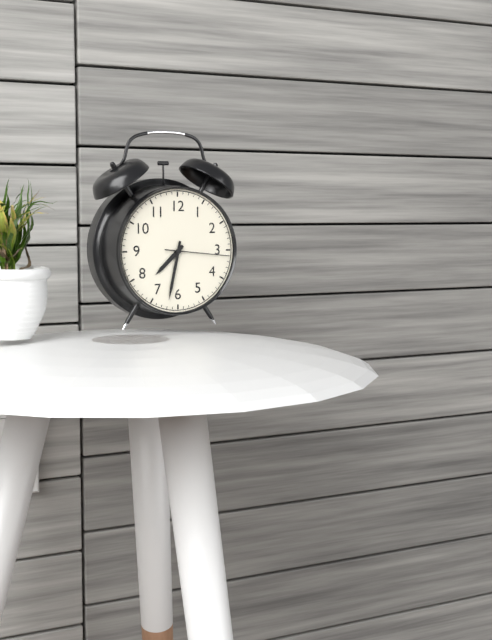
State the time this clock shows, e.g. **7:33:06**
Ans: **7:32:16**
